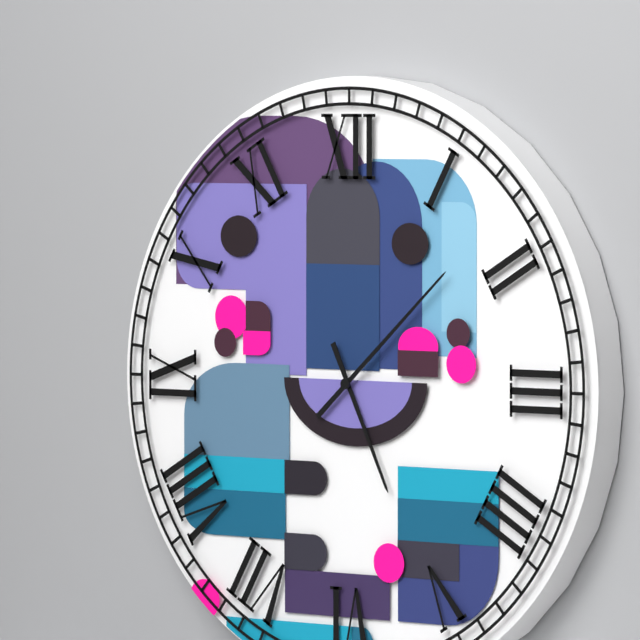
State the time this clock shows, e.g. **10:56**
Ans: **5:08**
